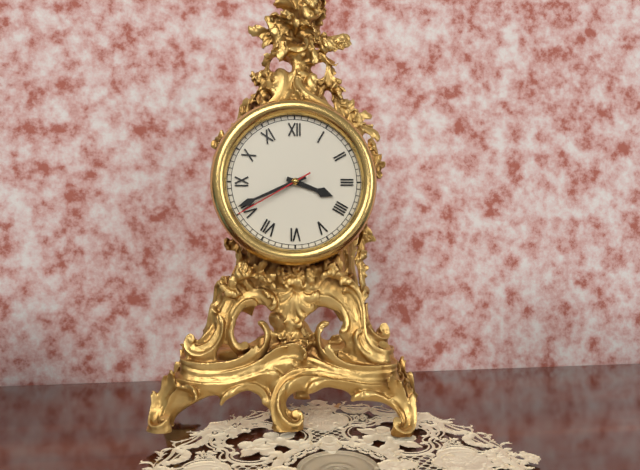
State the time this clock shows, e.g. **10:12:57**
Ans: **3:41:40**
